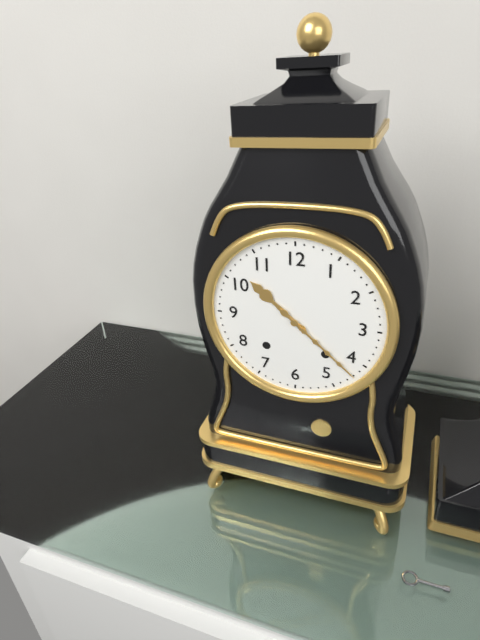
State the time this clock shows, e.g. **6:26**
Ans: **10:22**
